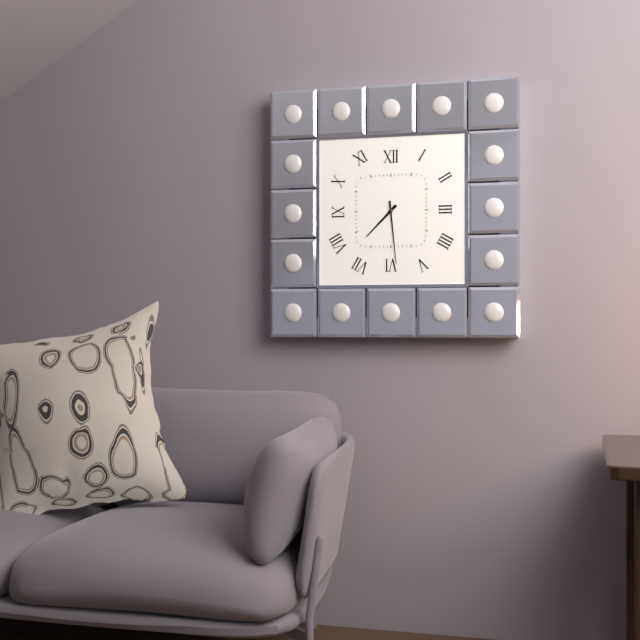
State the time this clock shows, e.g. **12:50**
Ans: **7:29**
